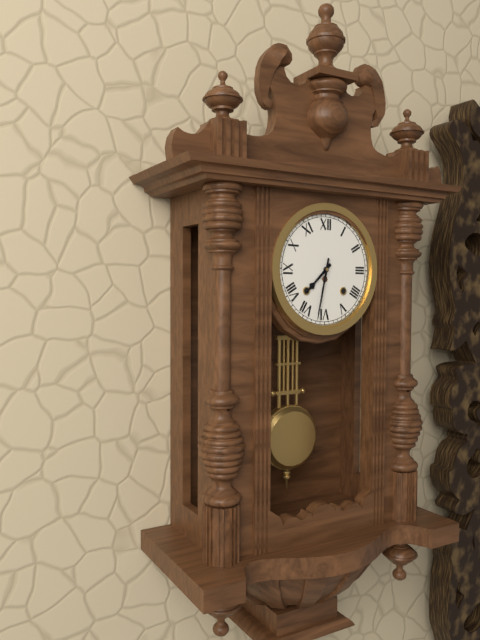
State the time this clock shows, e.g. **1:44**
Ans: **7:32**
